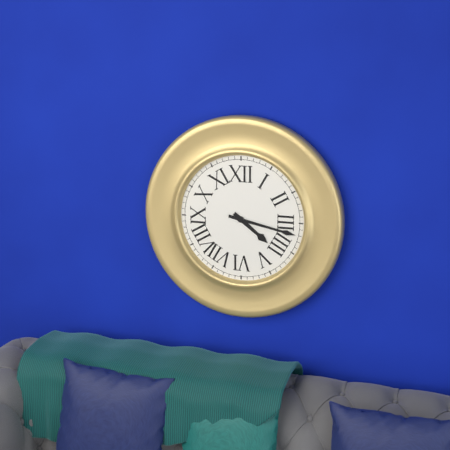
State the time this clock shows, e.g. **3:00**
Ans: **4:17**
